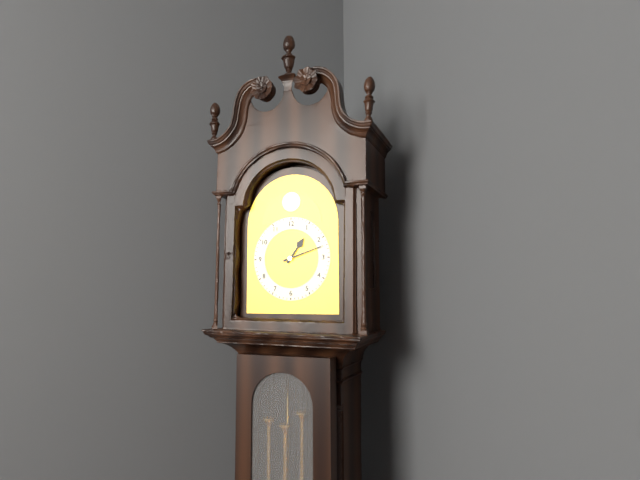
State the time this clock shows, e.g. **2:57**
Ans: **1:12**
